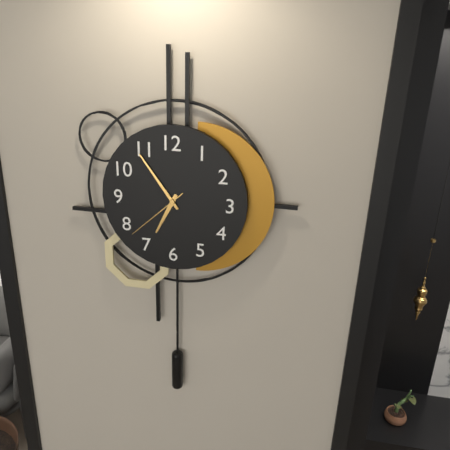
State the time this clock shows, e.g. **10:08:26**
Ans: **6:54:38**
